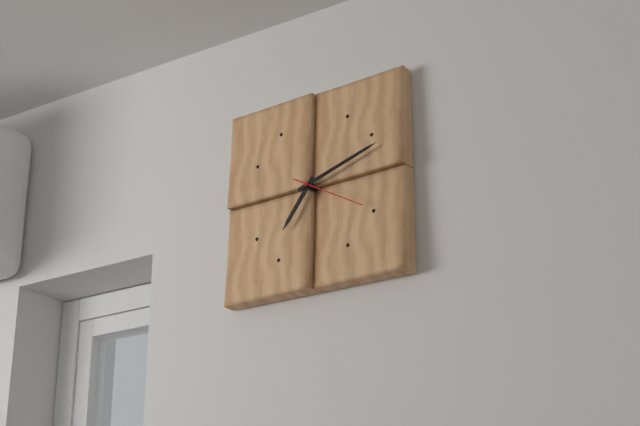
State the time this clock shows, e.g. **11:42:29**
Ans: **7:12:20**
